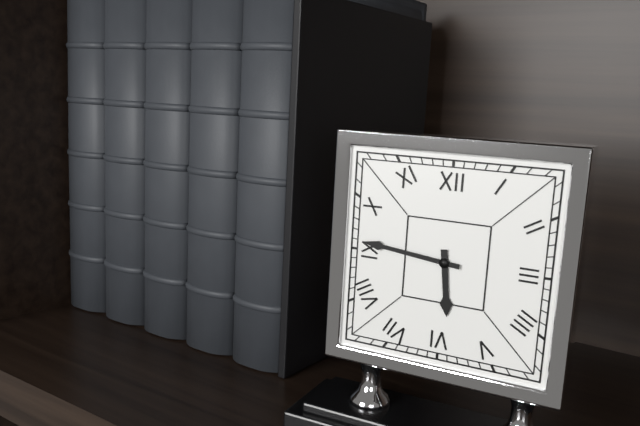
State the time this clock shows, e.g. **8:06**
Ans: **5:46**
